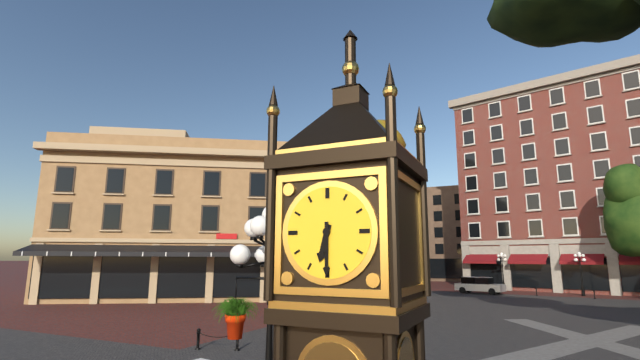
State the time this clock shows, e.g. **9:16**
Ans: **6:30**
